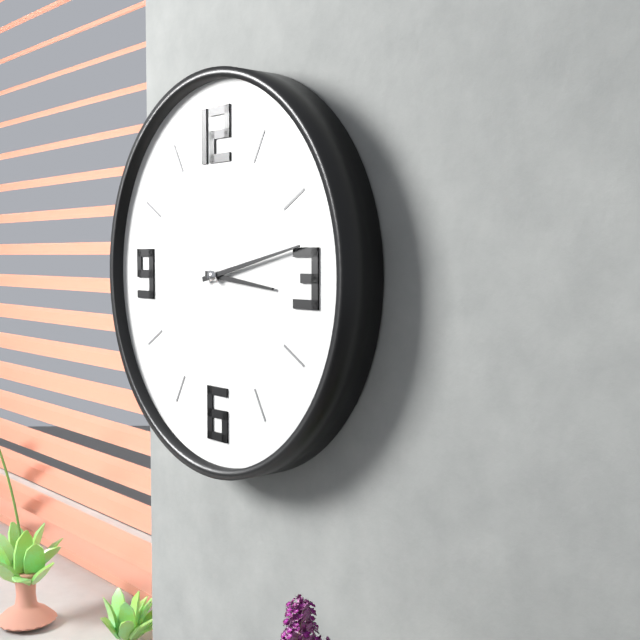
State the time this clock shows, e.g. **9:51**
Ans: **3:13**
